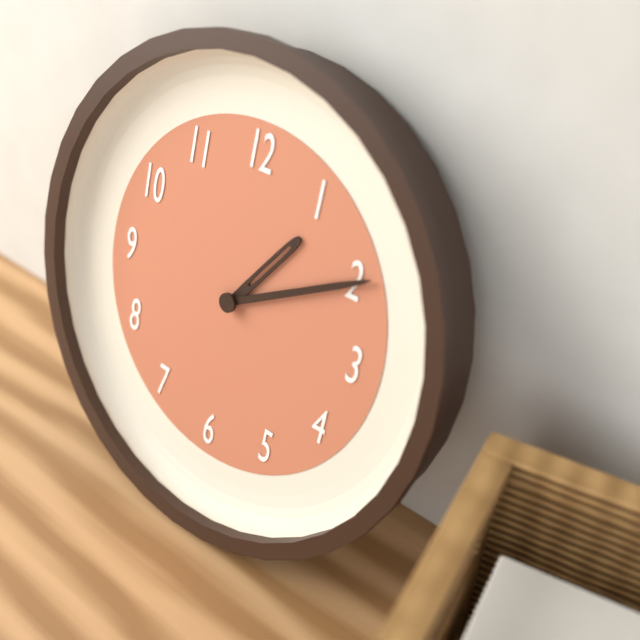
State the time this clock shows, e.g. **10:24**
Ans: **1:10**
